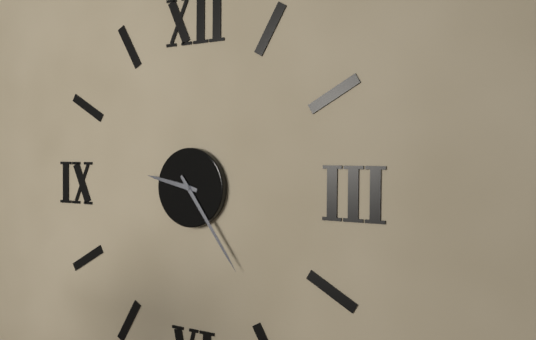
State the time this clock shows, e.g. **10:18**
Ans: **9:24**
